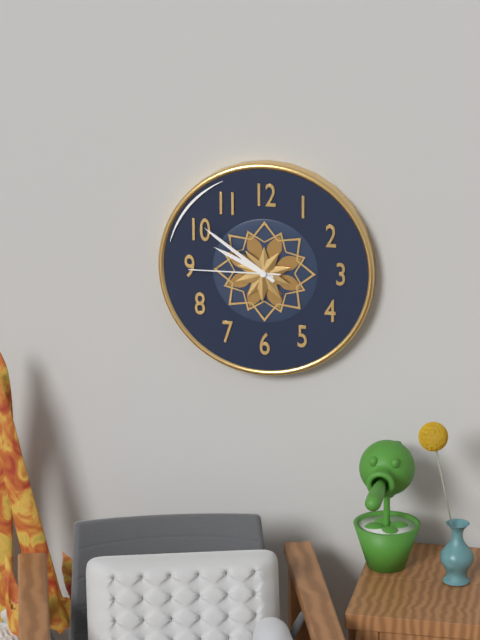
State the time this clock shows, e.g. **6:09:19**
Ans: **9:51:45**
